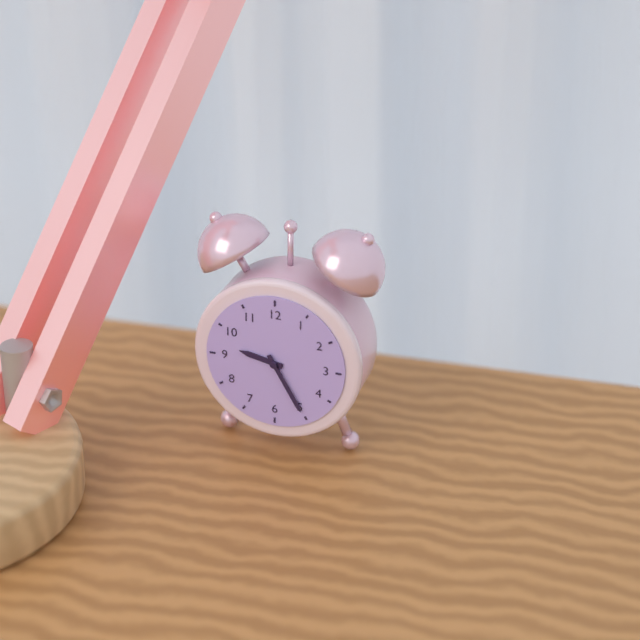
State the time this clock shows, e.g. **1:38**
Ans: **9:25**
